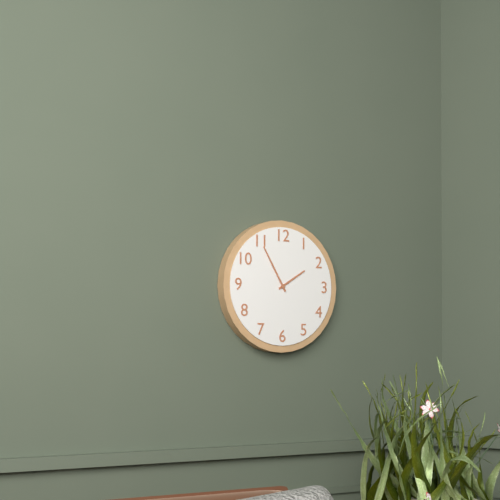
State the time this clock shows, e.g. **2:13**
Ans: **1:55**
